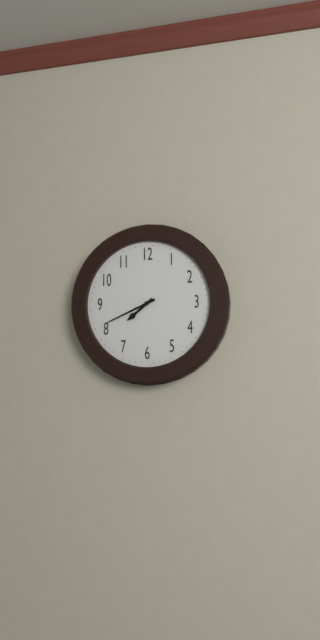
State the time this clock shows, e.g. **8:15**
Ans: **7:41**
